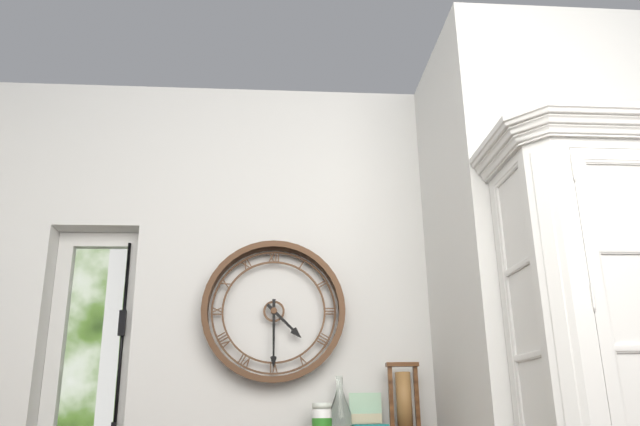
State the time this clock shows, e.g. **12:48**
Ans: **4:30**
